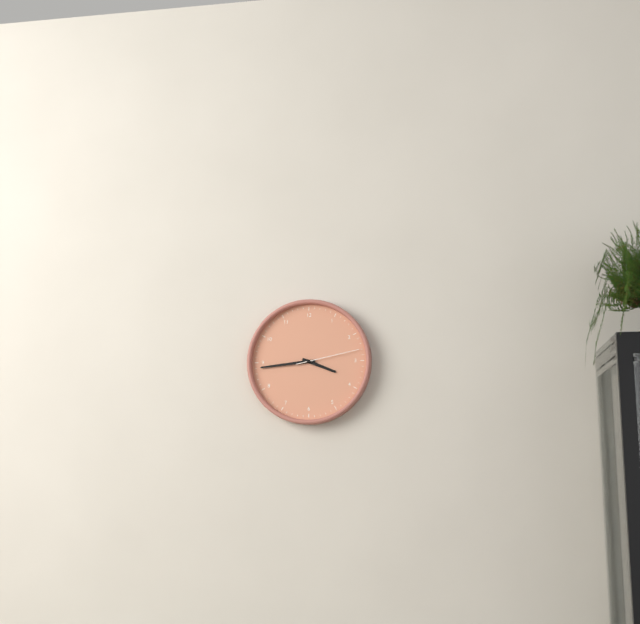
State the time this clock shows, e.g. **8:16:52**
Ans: **3:44:13**
